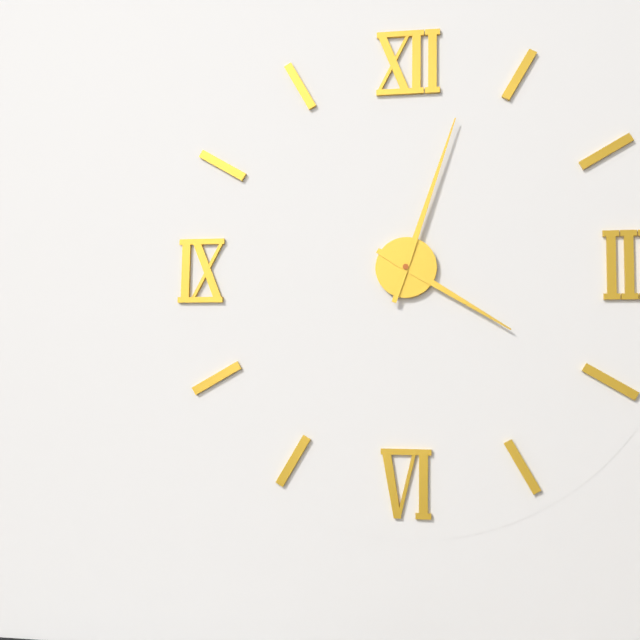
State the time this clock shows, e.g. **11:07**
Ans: **4:03**
